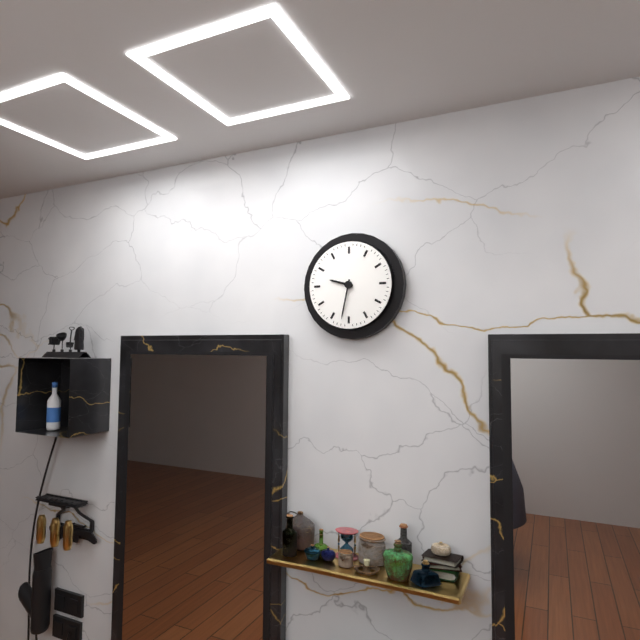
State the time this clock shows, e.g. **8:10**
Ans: **9:32**
